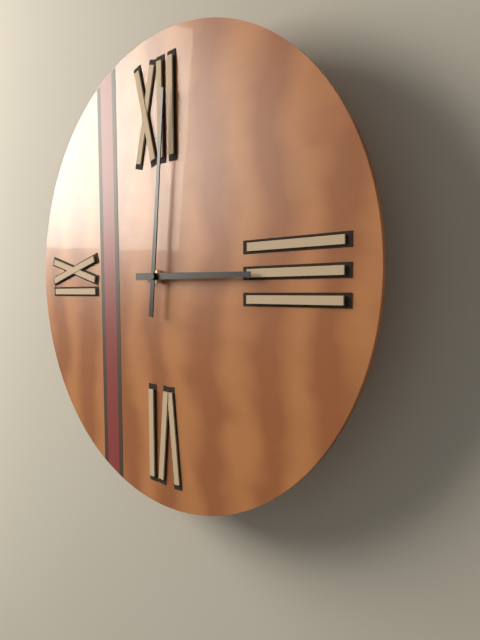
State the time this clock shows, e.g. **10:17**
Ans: **3:01**
